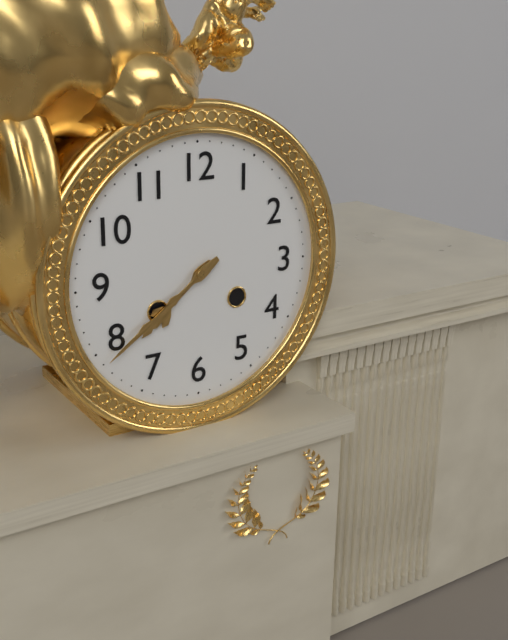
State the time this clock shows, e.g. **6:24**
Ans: **7:39**
